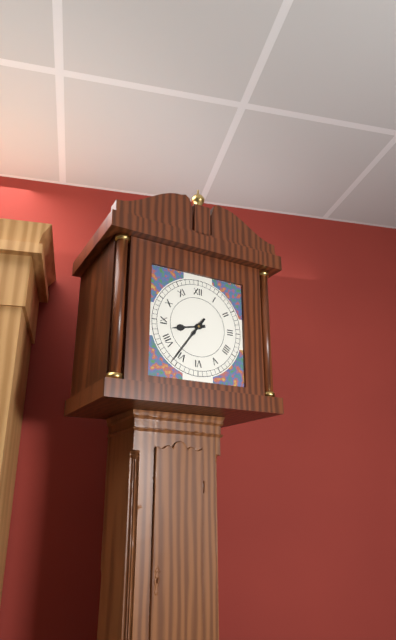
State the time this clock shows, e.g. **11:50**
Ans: **8:36**
